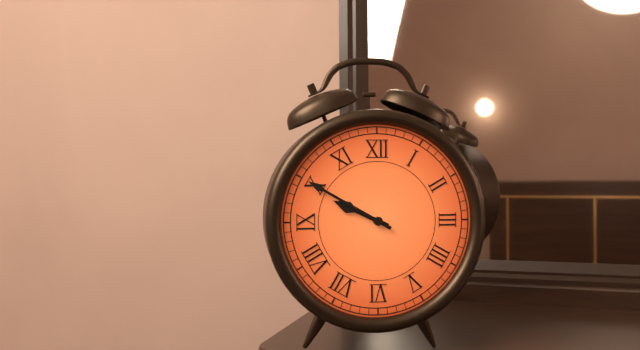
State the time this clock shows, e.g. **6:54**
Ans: **9:50**
